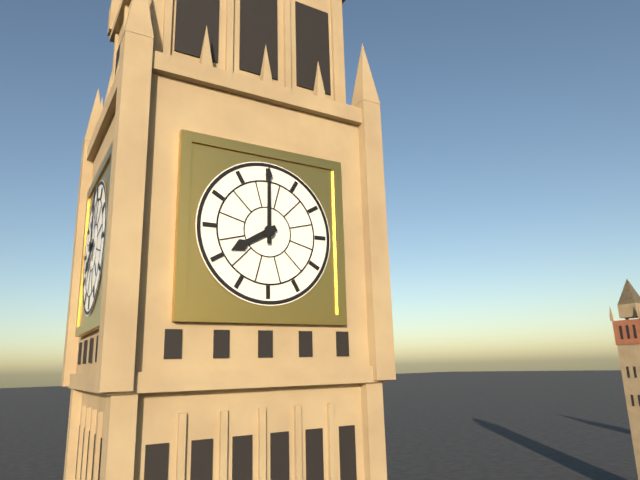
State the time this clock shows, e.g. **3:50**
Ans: **8:00**
